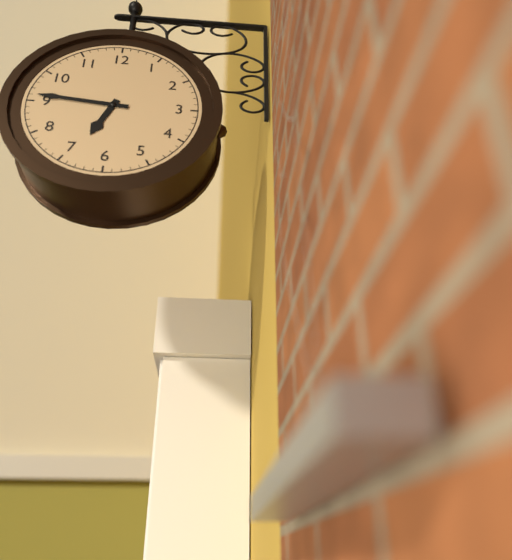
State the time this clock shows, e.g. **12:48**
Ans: **6:46**
